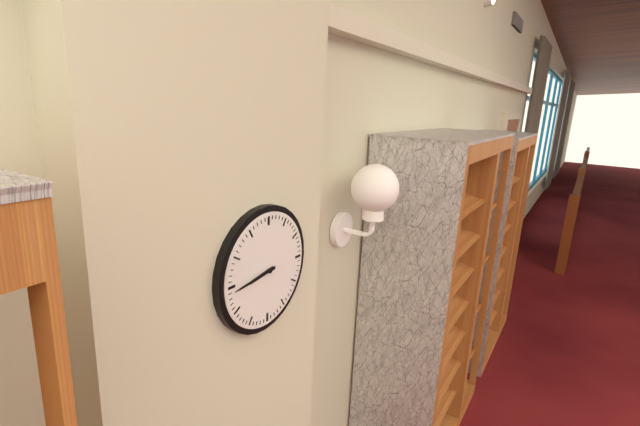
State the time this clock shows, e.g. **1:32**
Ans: **8:44**
